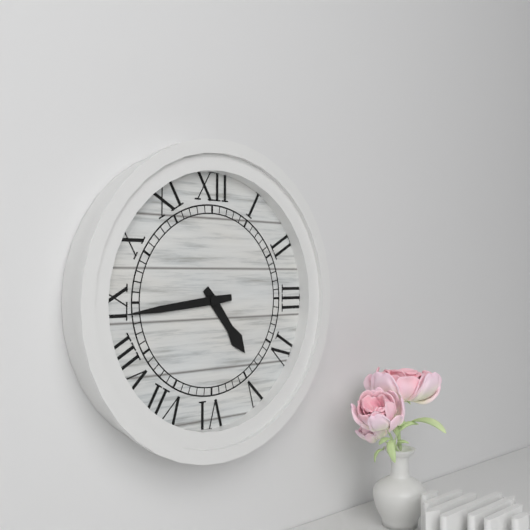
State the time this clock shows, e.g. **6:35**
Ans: **4:44**
